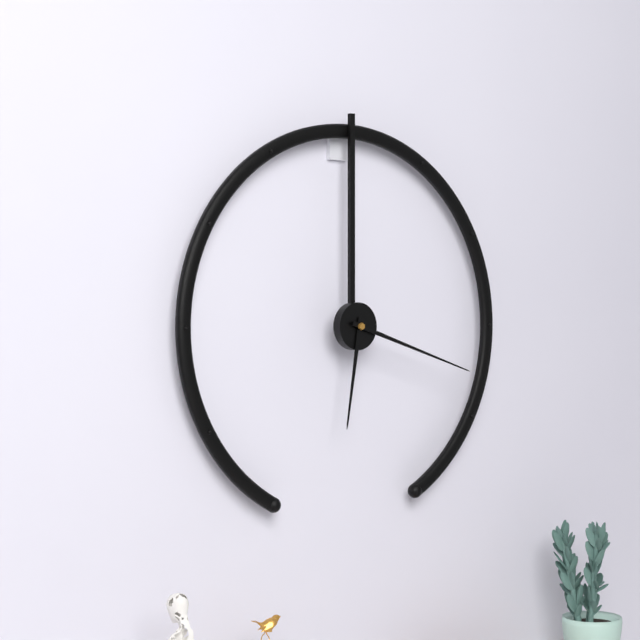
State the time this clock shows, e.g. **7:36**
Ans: **6:18**
